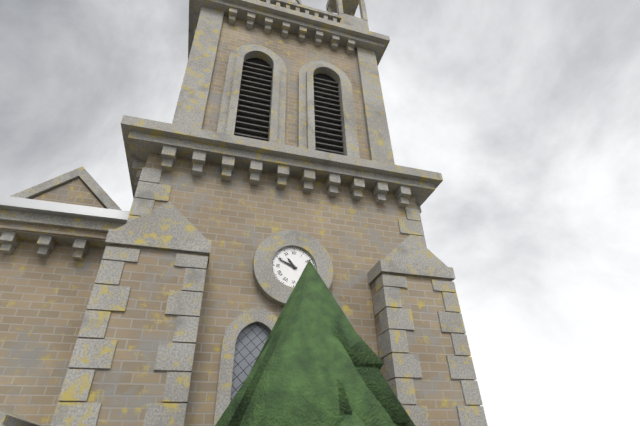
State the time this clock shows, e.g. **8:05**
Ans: **10:49**
